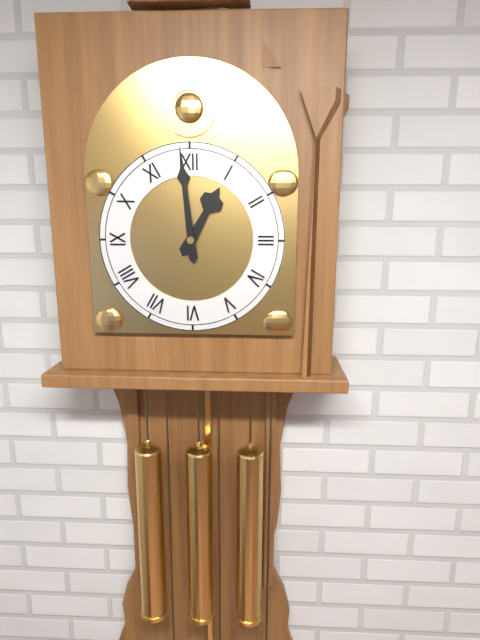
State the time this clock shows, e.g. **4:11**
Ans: **12:59**
